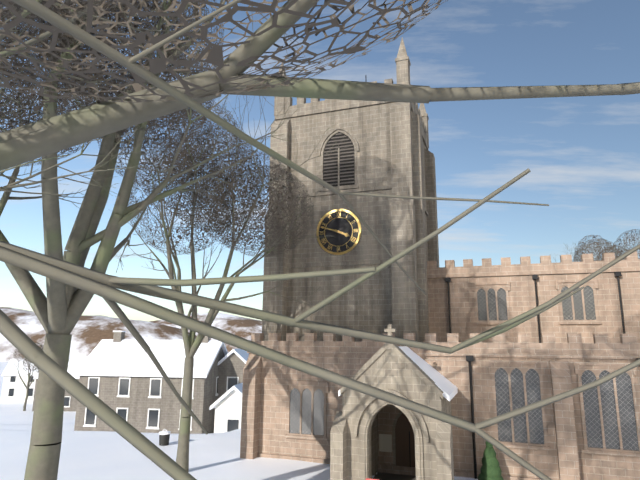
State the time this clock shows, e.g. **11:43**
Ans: **3:48**
